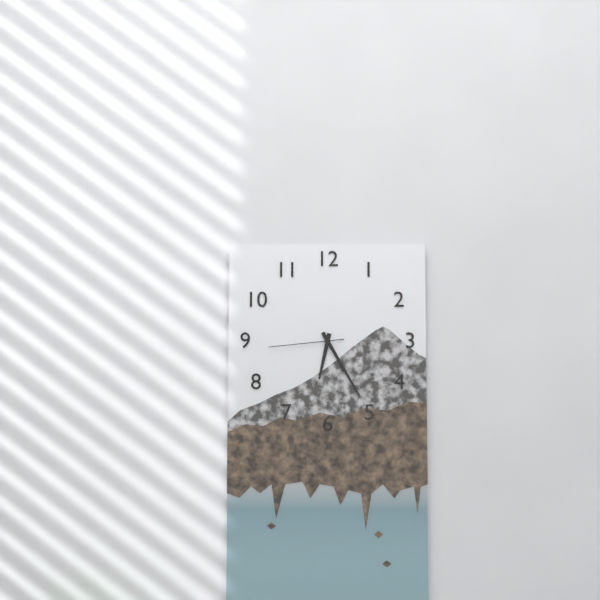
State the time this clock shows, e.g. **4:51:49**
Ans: **6:25:44**
